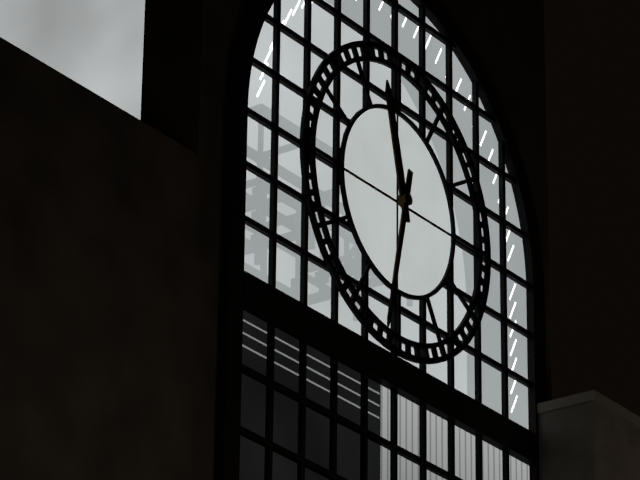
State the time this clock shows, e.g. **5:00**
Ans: **11:32**
